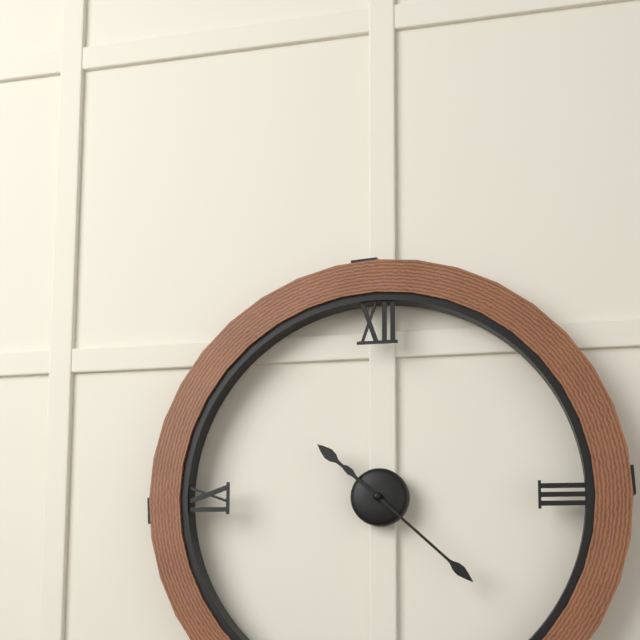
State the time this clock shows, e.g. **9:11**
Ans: **10:22**
